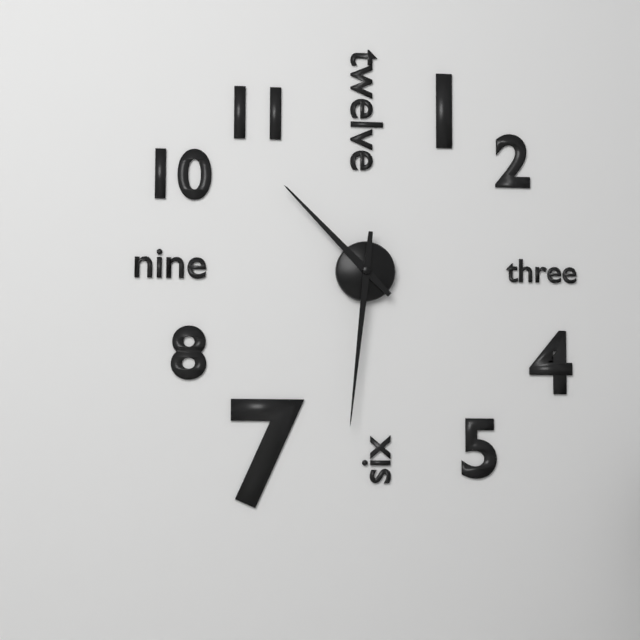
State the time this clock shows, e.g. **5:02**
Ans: **10:31**
